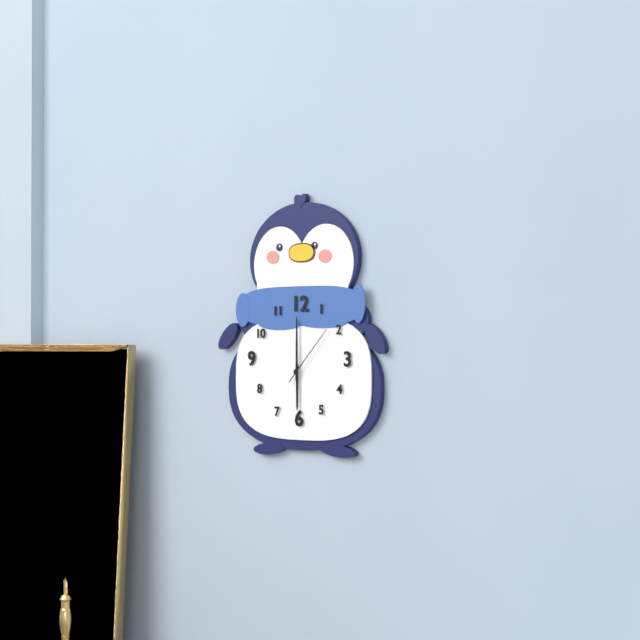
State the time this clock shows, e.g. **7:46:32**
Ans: **6:00:07**
